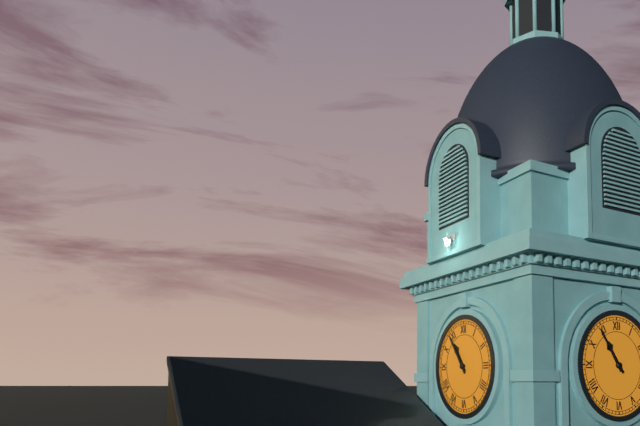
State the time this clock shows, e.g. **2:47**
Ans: **10:54**
